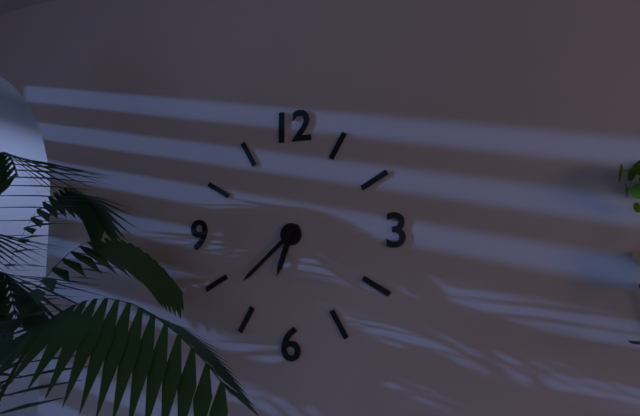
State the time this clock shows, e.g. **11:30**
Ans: **6:38**
